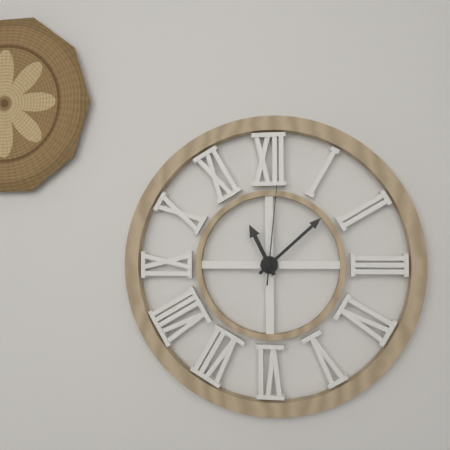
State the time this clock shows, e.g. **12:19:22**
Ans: **11:08:01**
